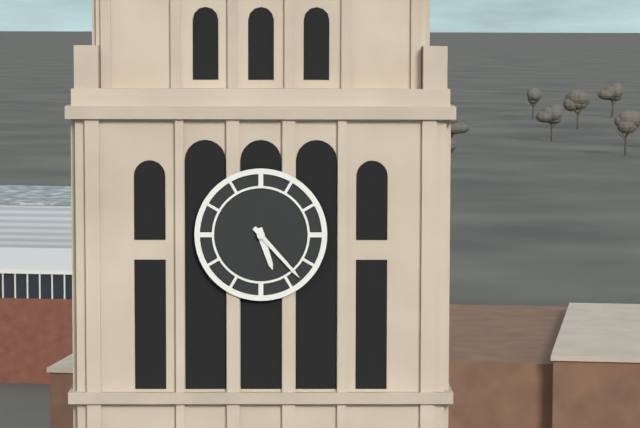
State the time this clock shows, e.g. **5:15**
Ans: **5:23**
